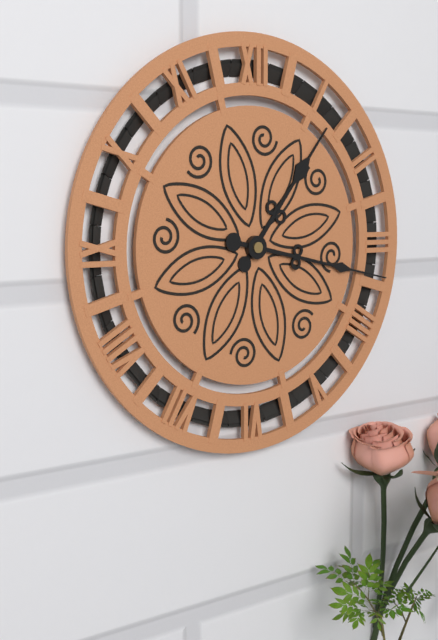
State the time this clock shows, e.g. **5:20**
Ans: **1:17**
